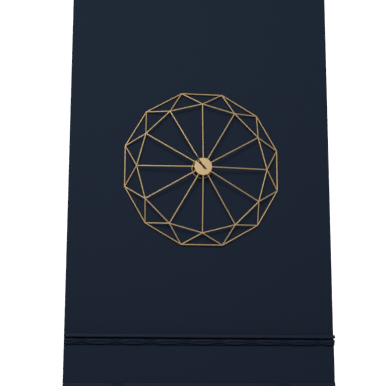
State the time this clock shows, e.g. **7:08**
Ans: **10:52**
